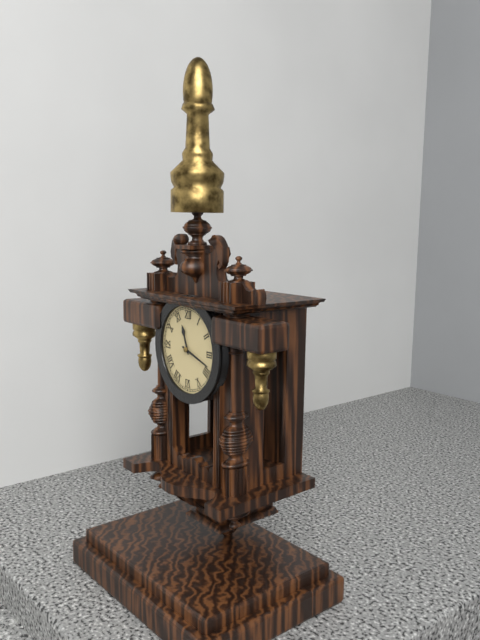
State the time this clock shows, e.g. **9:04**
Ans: **11:18**
